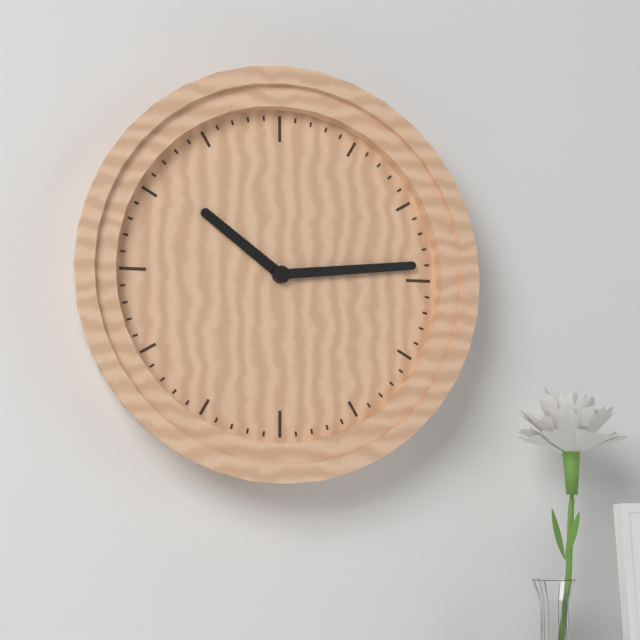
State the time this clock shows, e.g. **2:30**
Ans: **10:14**
